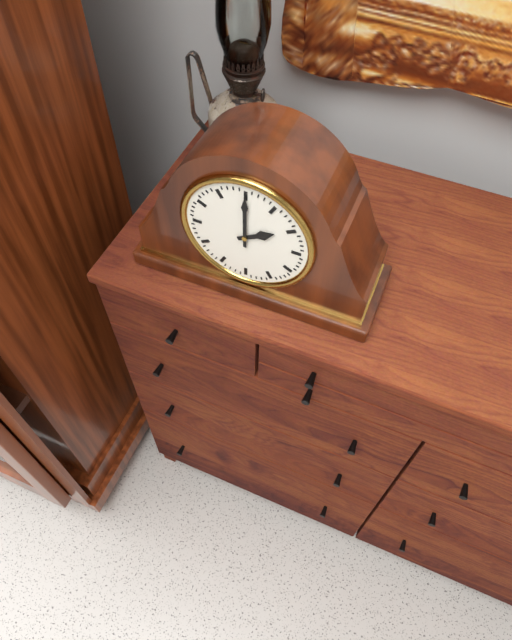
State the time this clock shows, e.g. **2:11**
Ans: **2:00**
